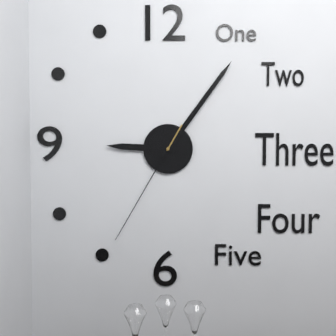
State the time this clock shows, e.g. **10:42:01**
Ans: **9:06:35**
